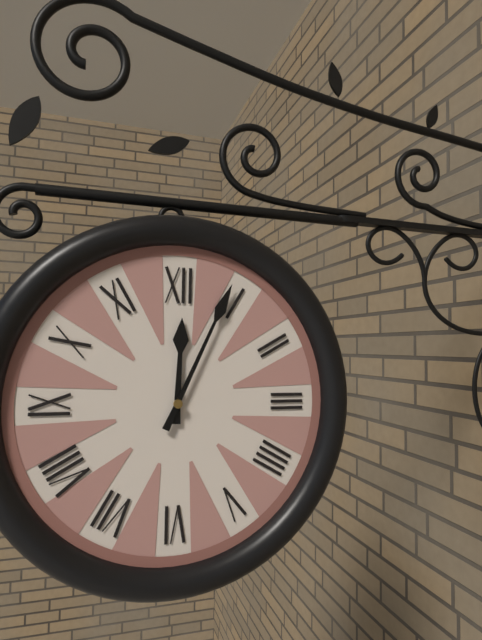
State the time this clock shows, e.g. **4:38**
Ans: **12:04**
